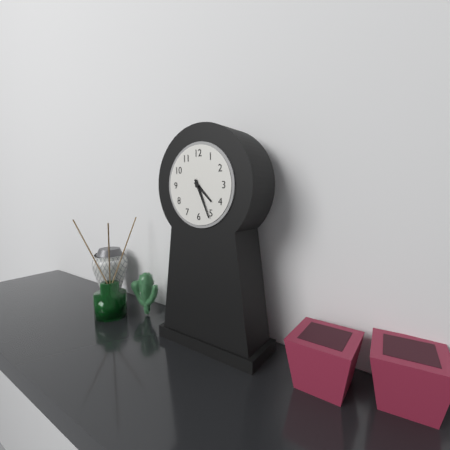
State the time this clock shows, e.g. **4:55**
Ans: **4:26**
